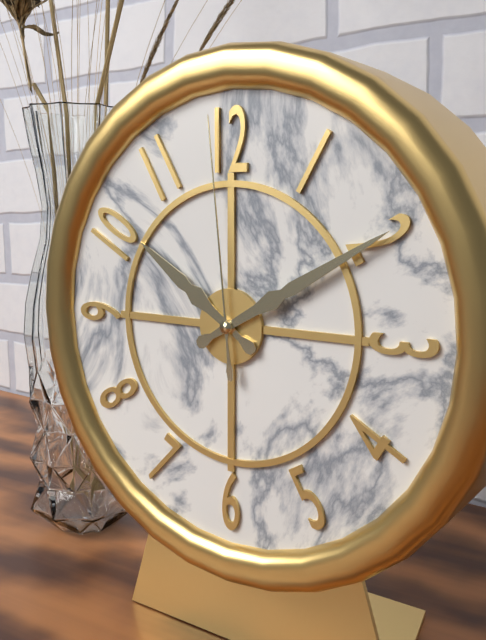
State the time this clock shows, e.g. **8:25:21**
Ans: **10:10:59**
